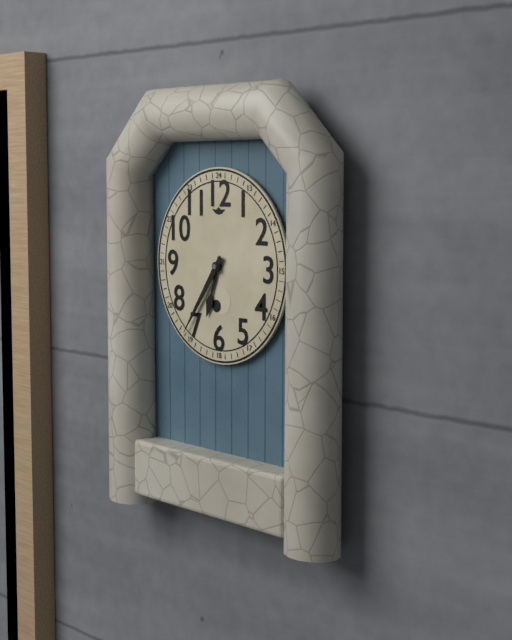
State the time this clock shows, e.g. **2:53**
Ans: **6:36**
